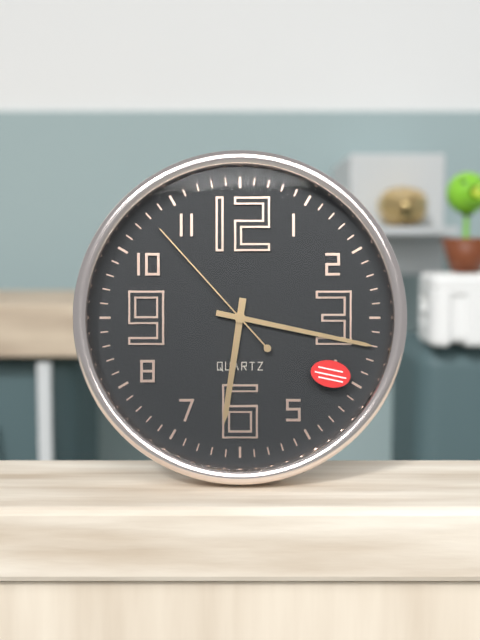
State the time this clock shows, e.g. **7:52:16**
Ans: **6:17:53**
